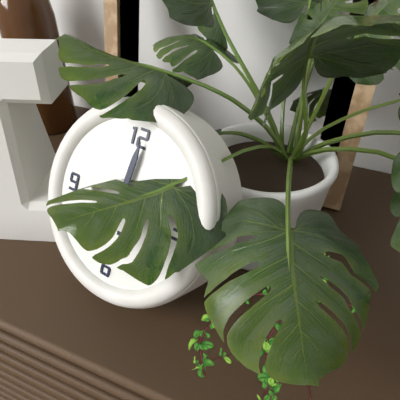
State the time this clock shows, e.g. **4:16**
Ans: **7:01**
